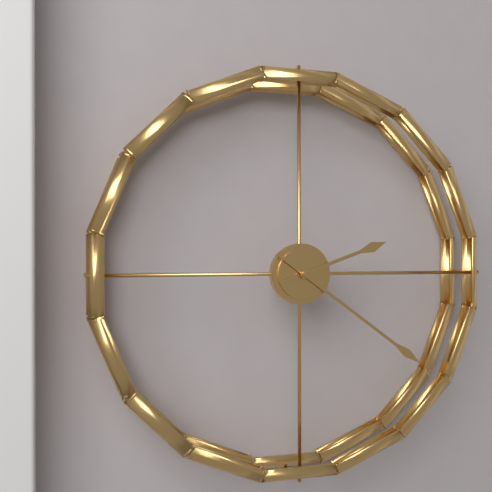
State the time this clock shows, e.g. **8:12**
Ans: **2:21**
